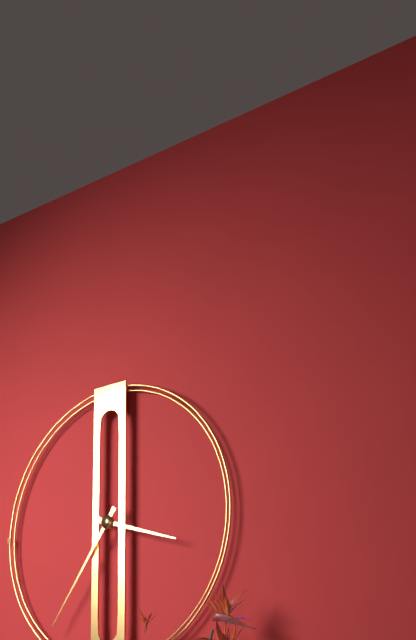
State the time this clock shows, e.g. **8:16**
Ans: **3:36**
